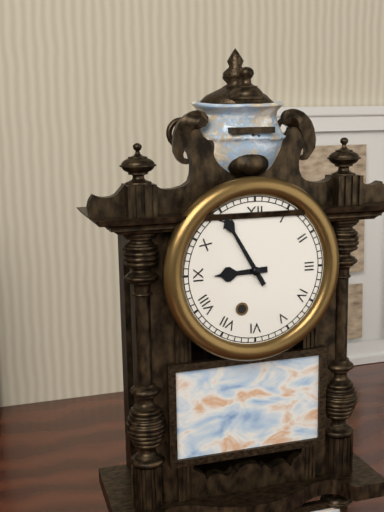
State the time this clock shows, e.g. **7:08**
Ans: **8:55**
